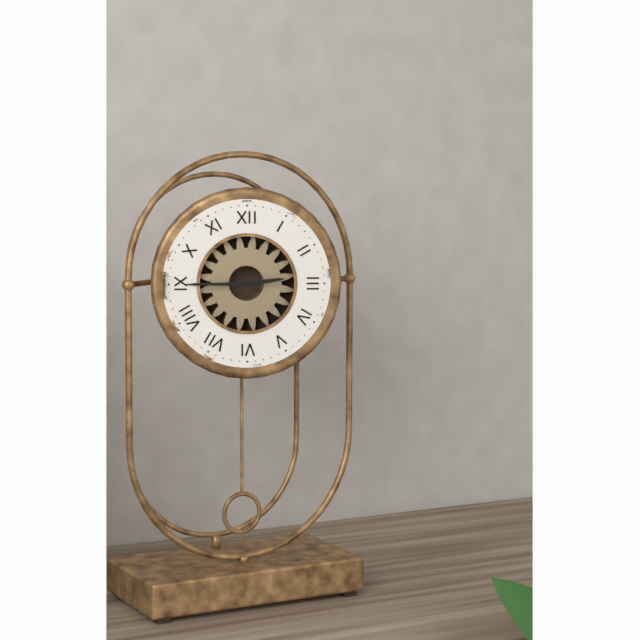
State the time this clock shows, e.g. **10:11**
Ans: **2:45**
